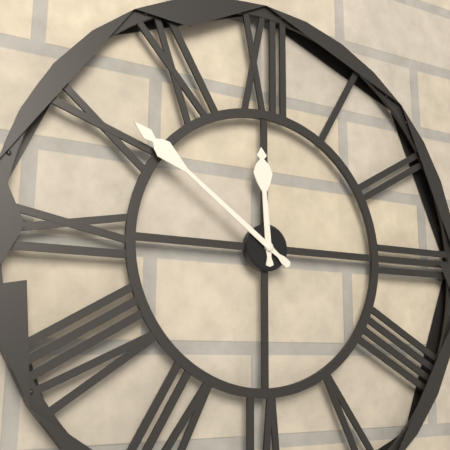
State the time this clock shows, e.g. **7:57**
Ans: **11:51**
